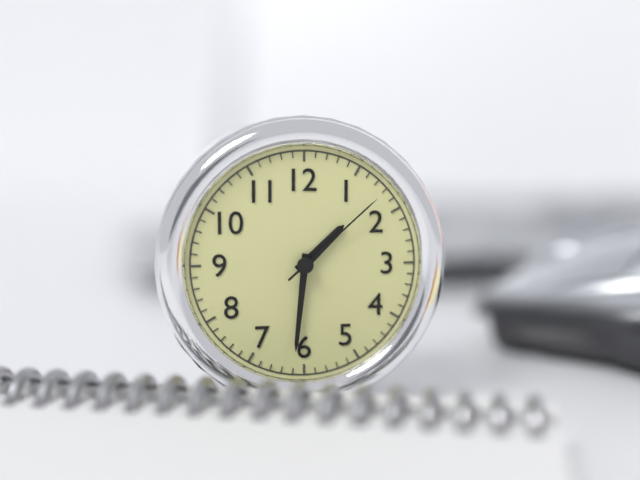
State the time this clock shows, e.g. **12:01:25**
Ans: **1:31:08**
